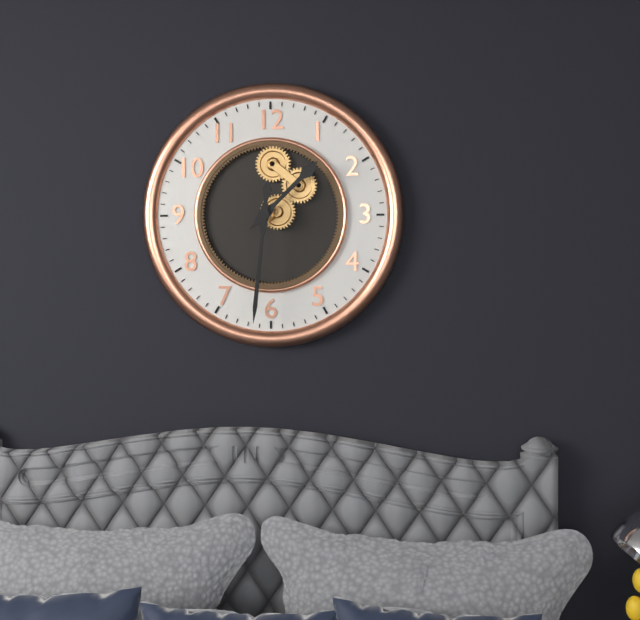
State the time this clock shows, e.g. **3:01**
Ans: **1:31**
